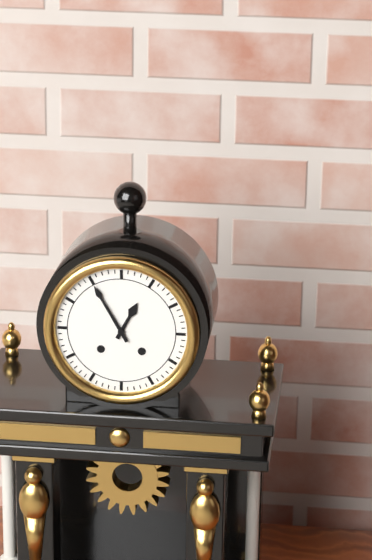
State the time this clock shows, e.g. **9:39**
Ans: **12:55**
